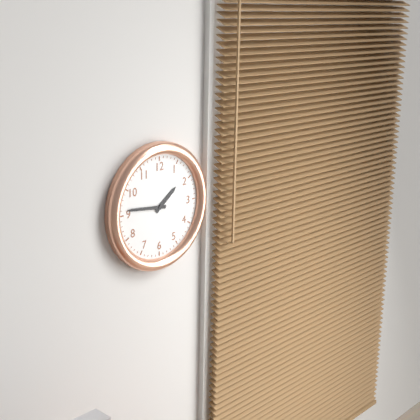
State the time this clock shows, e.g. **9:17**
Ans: **1:46**
